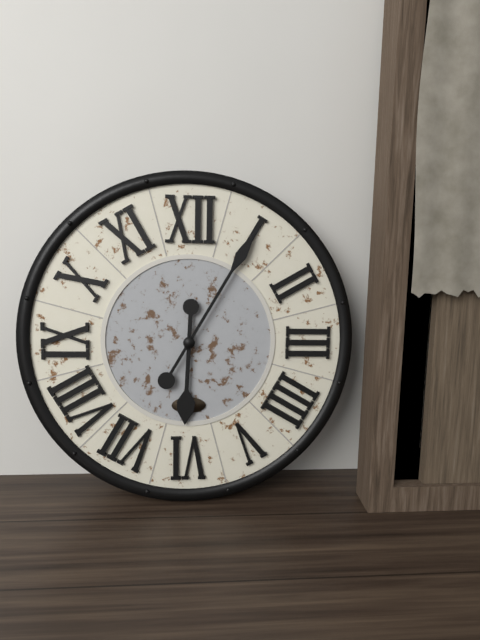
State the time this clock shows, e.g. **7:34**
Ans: **6:05**
